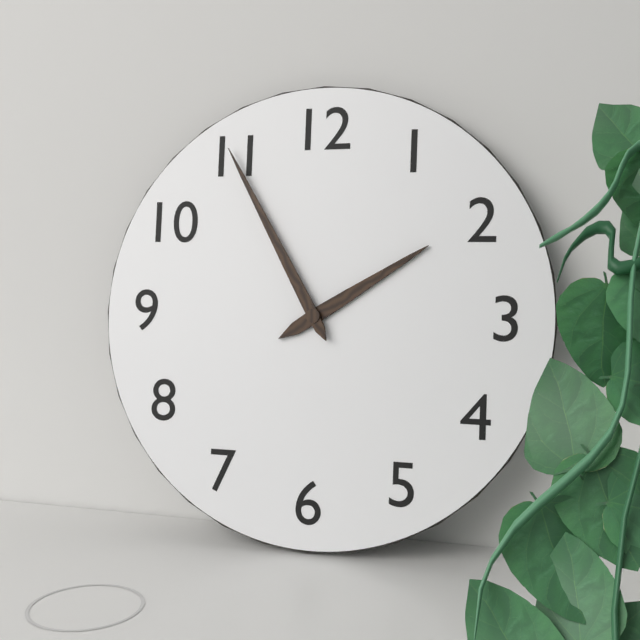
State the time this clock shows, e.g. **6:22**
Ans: **1:55**
